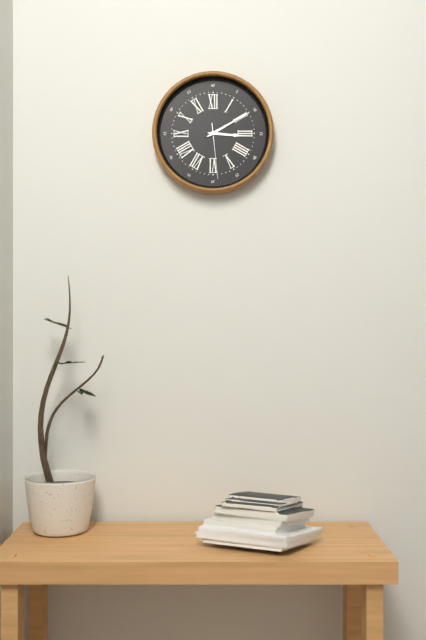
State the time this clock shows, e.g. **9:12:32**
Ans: **3:10:29**
